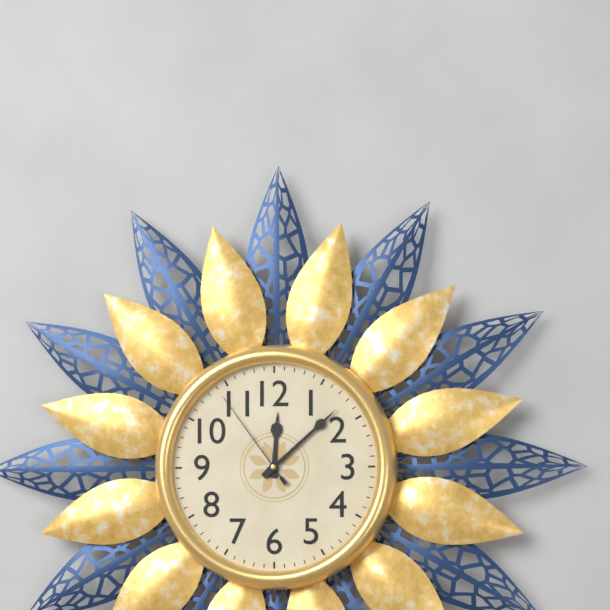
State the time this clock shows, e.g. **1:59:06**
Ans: **12:08:54**
